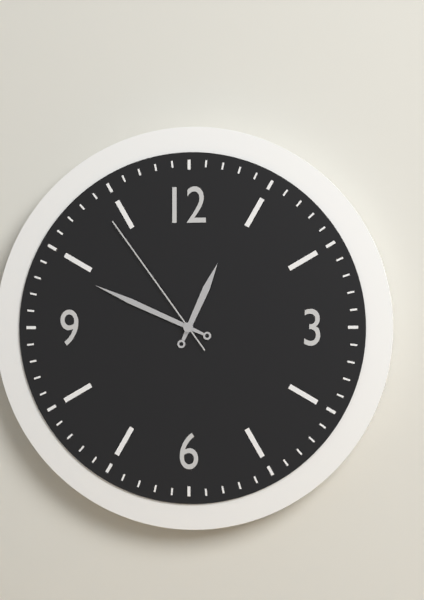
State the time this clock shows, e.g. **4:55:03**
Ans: **12:49:54**
